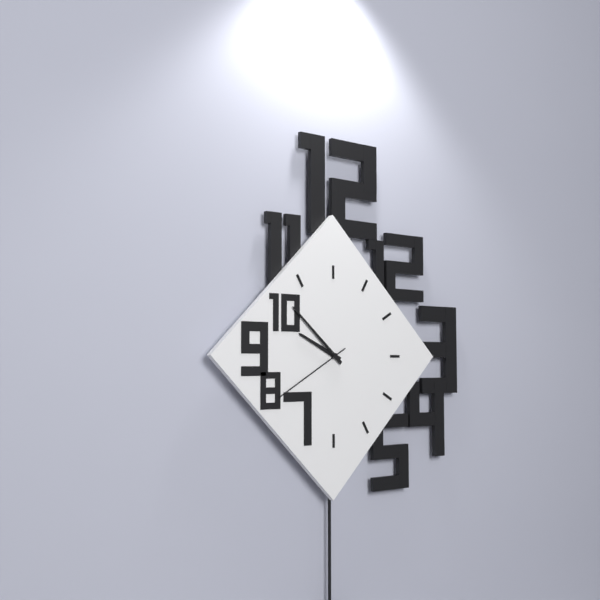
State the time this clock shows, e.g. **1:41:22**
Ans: **9:52:40**
